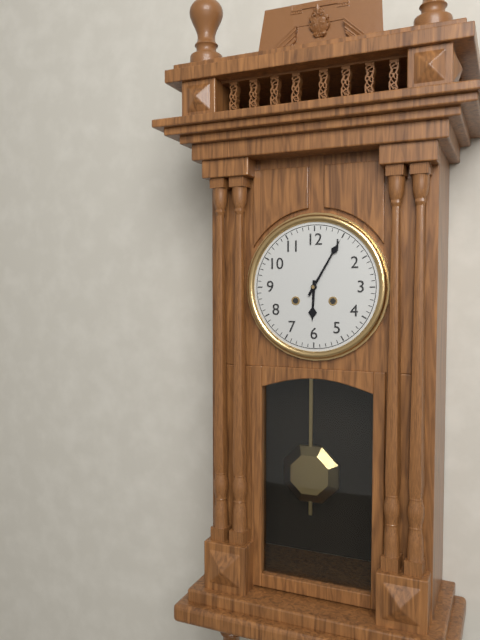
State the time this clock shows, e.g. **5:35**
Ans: **6:05**
